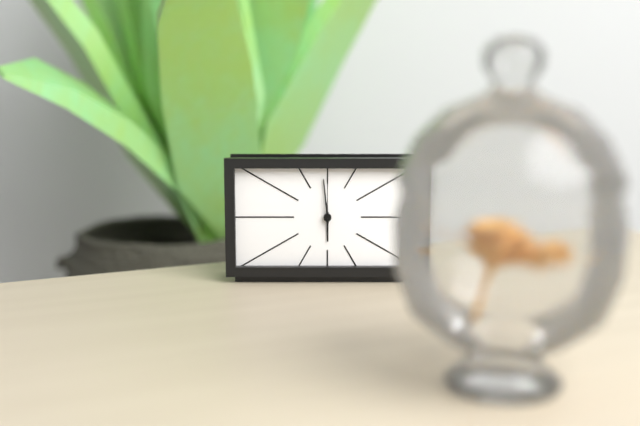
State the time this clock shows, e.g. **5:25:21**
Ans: **5:59:00**
